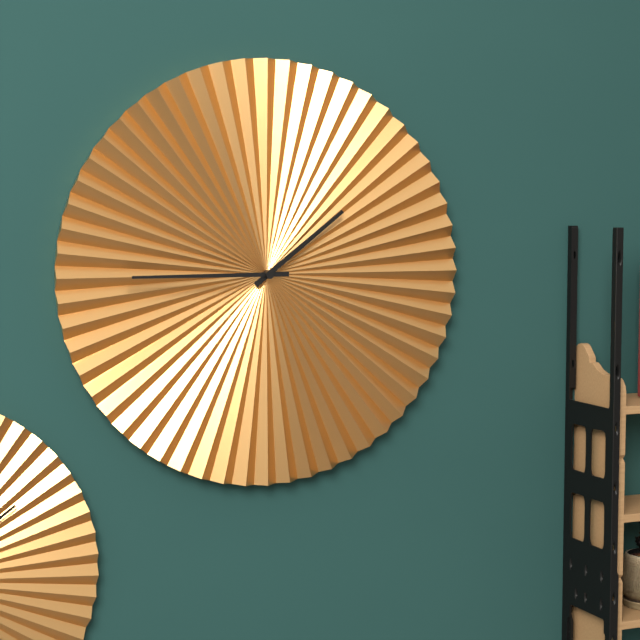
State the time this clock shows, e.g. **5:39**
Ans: **1:45**
